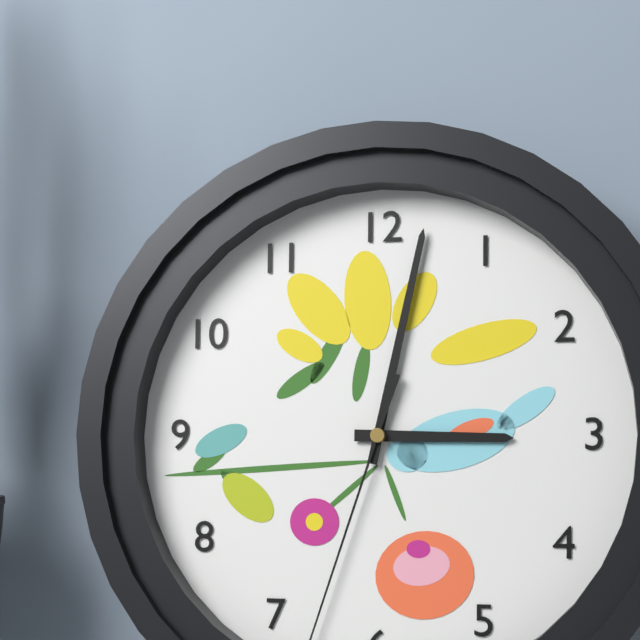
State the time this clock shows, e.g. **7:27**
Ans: **3:02**
